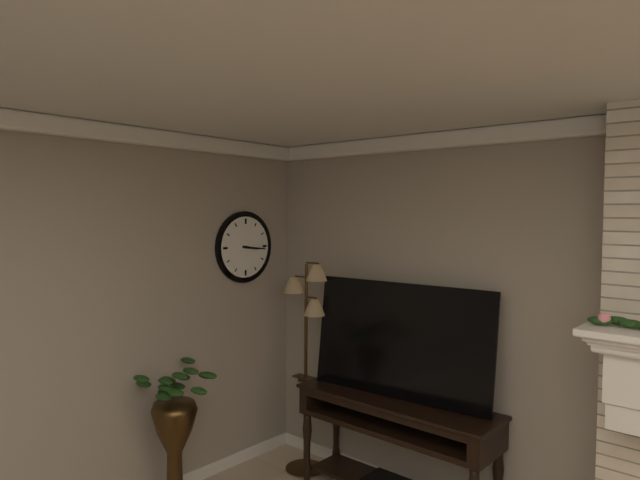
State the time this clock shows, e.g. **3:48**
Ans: **3:16**
